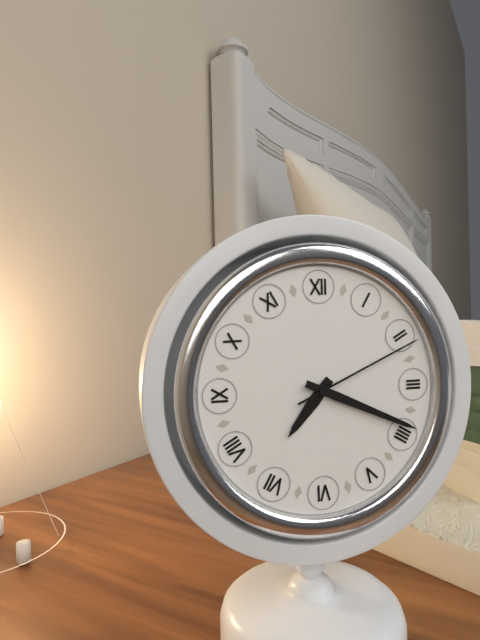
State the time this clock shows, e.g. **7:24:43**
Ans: **7:19:11**
